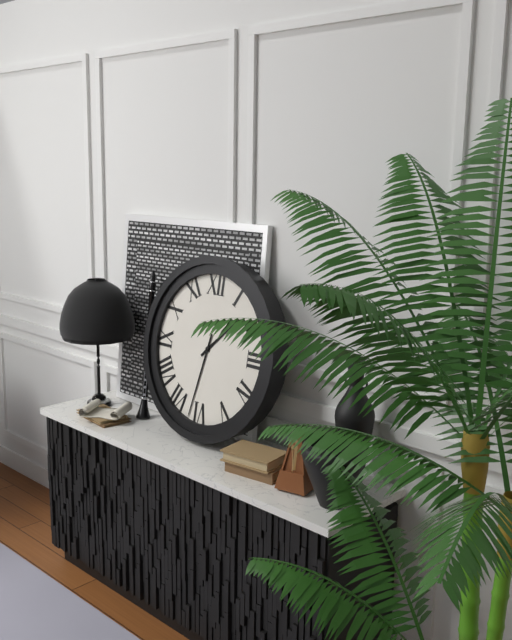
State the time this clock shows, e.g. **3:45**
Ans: **1:32**
